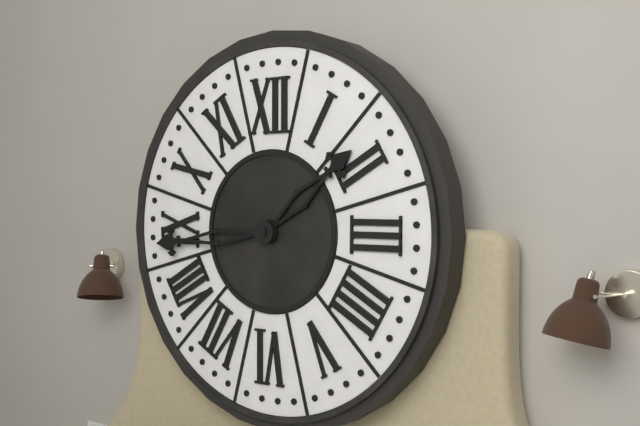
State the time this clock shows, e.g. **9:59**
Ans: **1:44**
